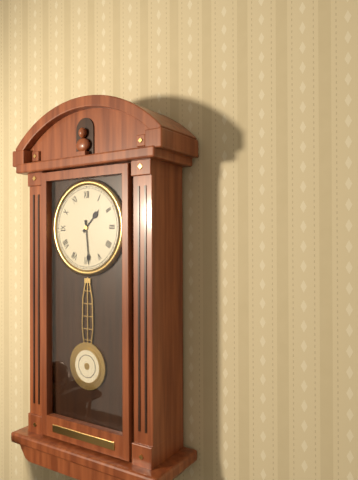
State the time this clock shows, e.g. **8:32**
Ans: **1:29**
